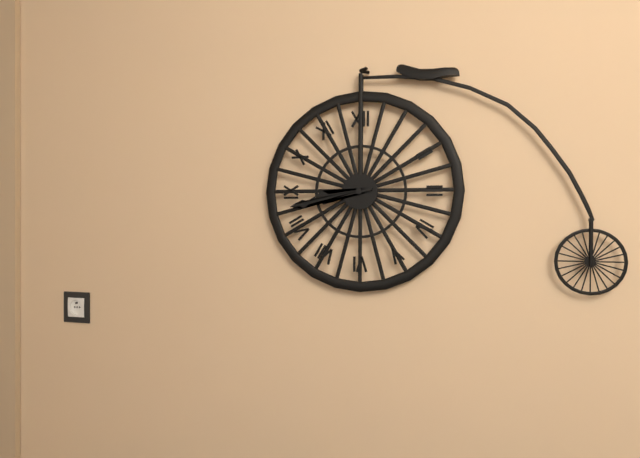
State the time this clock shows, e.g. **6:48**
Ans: **8:43**
